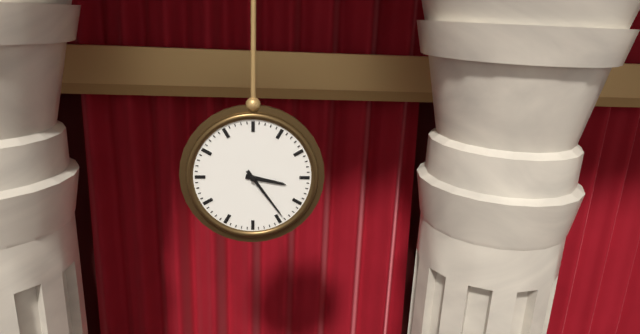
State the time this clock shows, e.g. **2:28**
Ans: **3:24**
